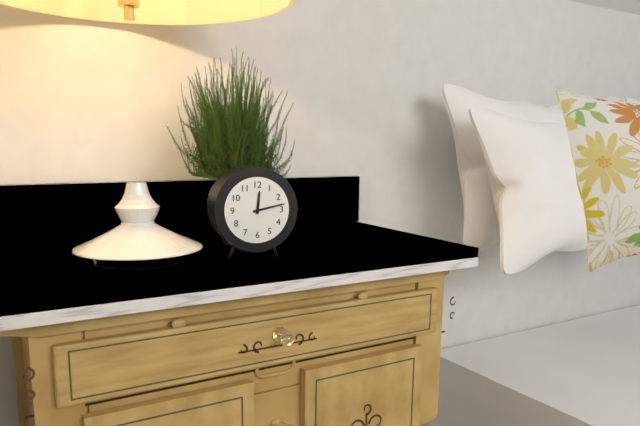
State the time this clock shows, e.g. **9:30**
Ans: **12:13**
